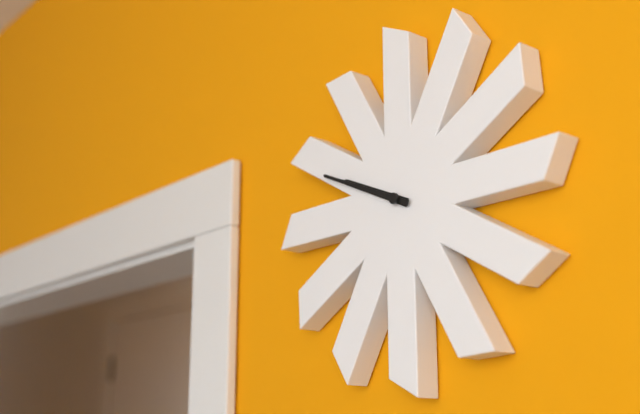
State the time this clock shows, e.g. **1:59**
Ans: **9:49**
